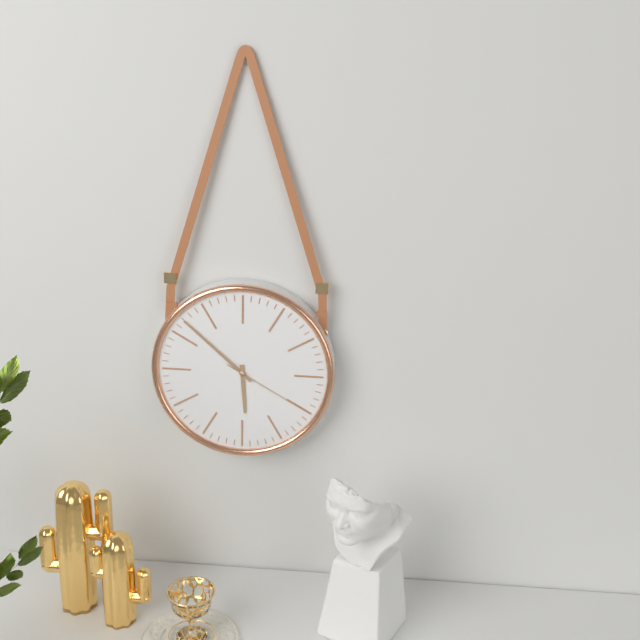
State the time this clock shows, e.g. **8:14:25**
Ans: **5:52:20**
